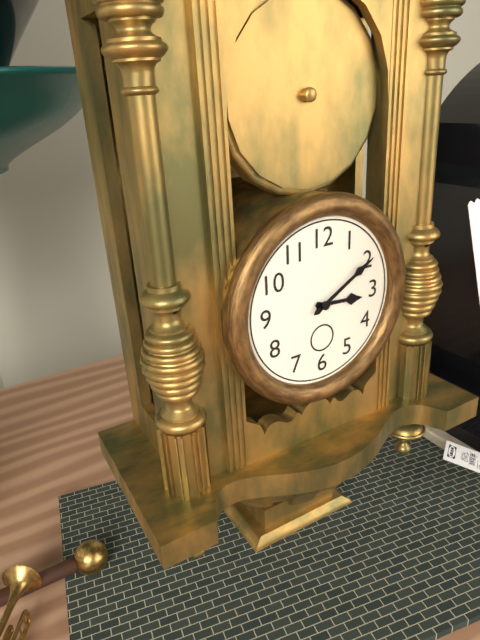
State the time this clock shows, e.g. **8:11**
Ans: **3:10**
